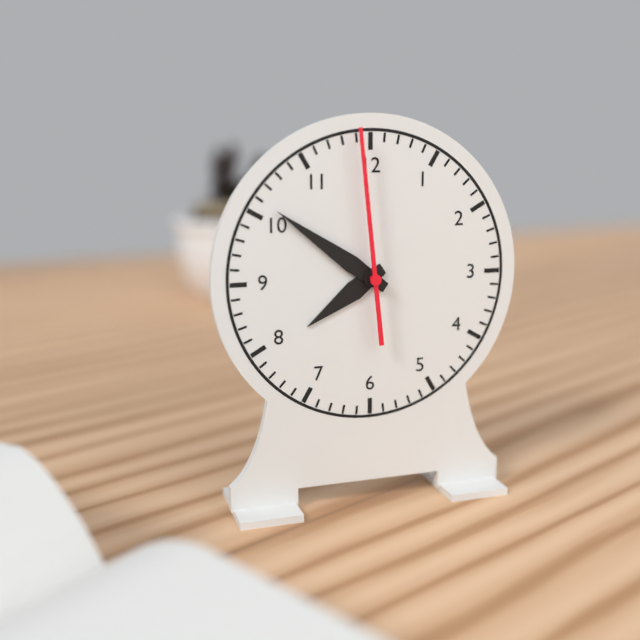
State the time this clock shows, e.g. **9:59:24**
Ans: **7:51:59**
